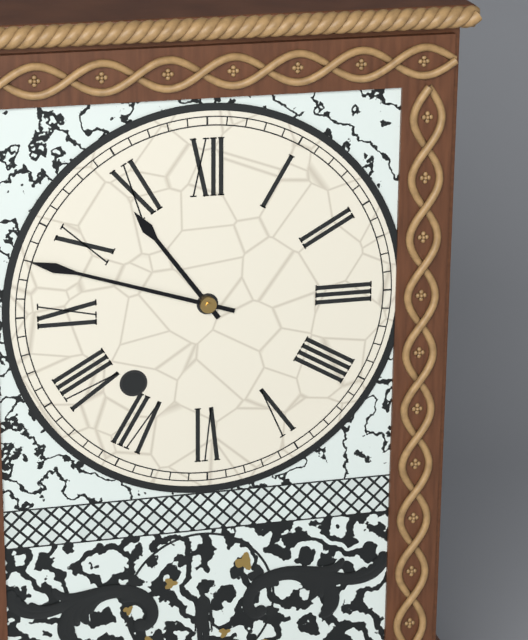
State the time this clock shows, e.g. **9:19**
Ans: **10:48**
